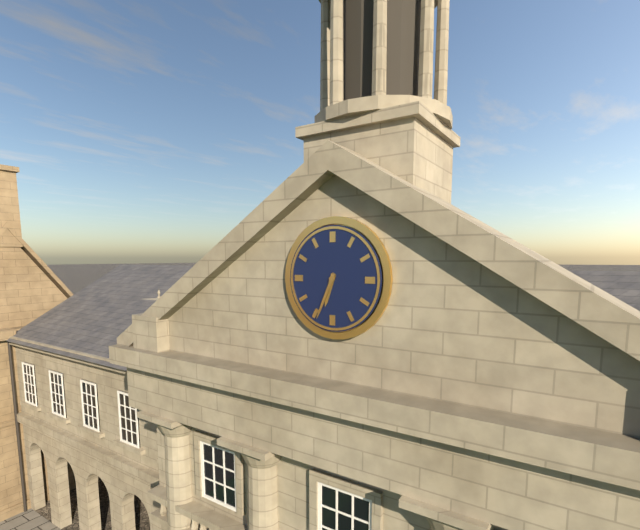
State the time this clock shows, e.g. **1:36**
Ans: **6:34**
